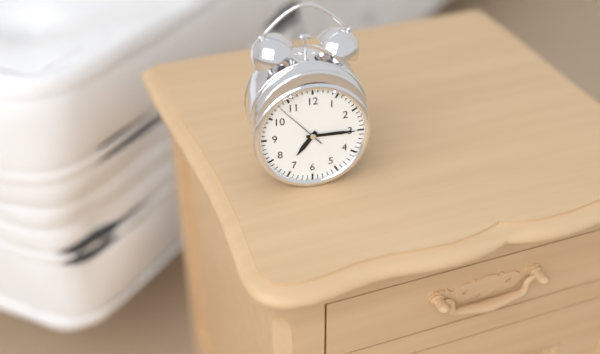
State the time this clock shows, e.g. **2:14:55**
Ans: **7:15:53**
